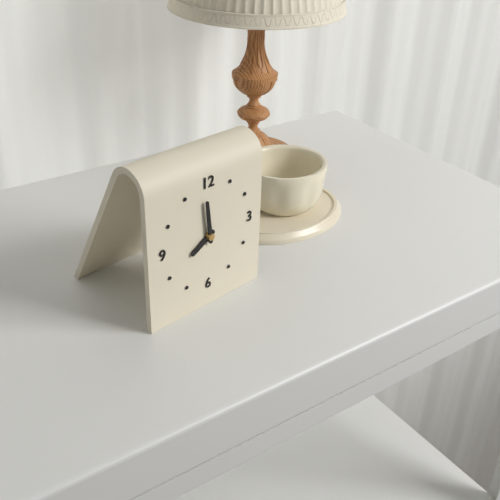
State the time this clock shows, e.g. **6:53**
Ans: **7:59**
